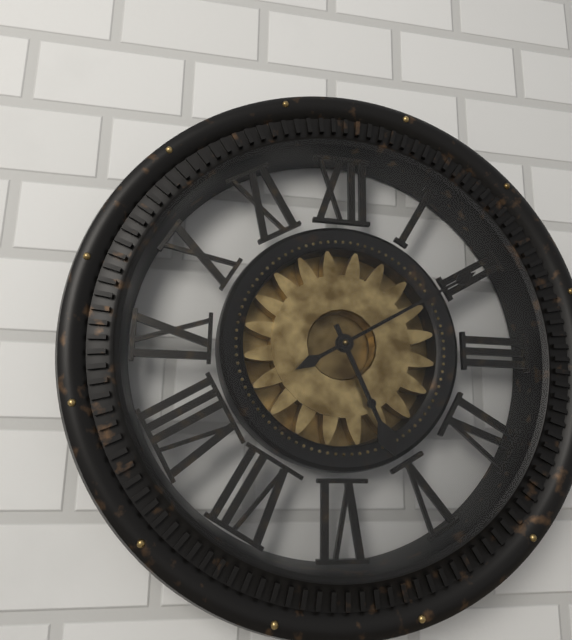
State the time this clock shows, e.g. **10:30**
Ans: **5:10**
